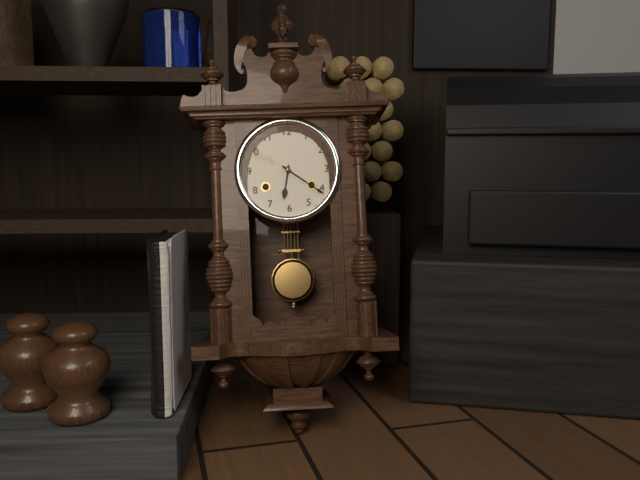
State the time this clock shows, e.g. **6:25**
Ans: **6:21**
